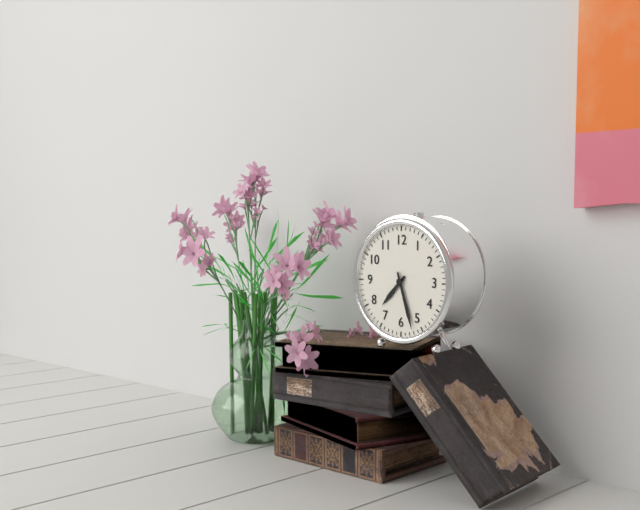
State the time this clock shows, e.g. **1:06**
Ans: **7:27**
